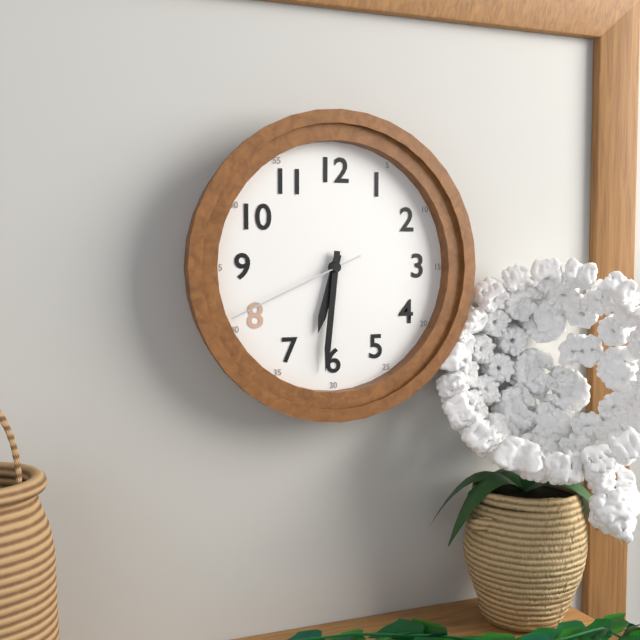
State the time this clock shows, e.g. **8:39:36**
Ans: **6:31:41**
